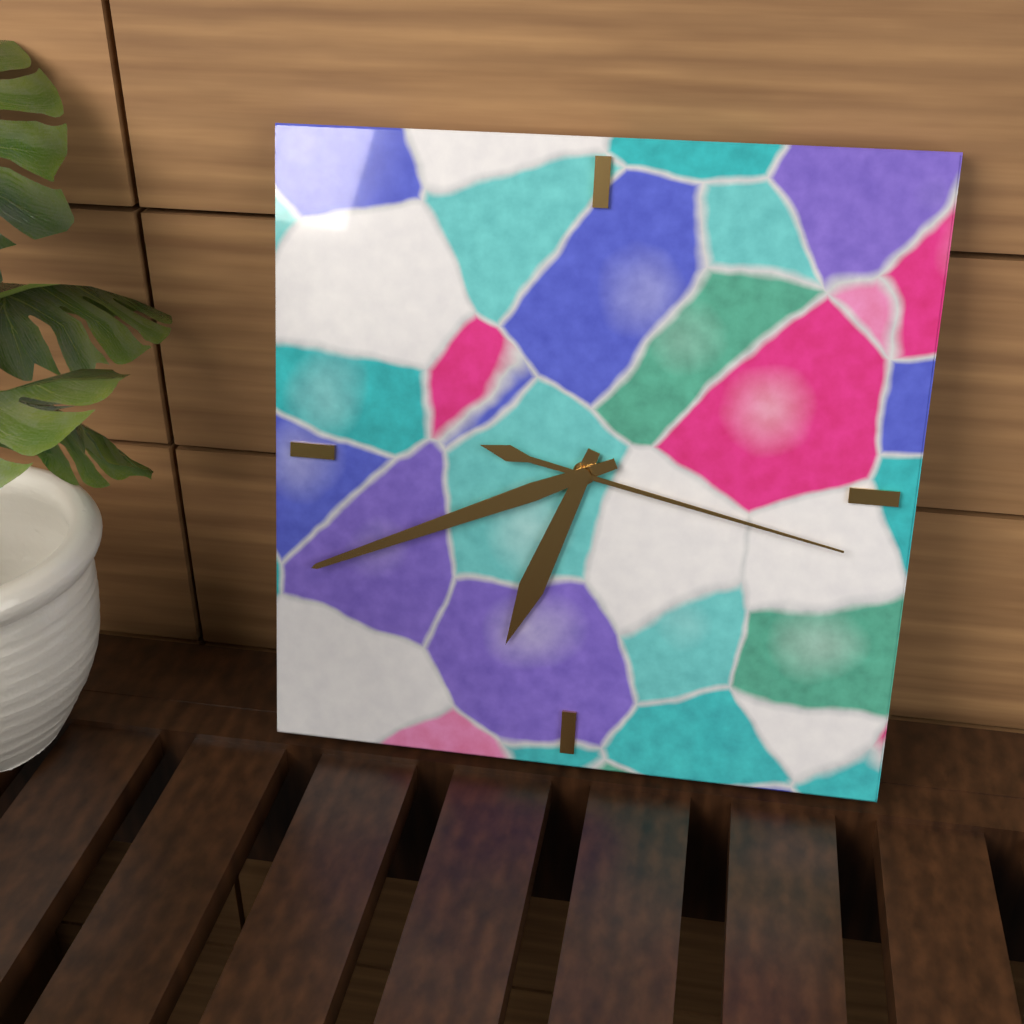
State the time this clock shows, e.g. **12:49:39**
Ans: **6:41:17**
